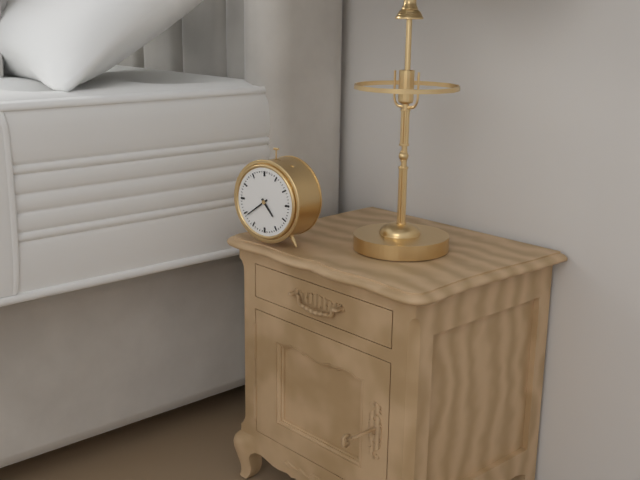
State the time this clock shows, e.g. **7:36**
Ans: **4:39**
